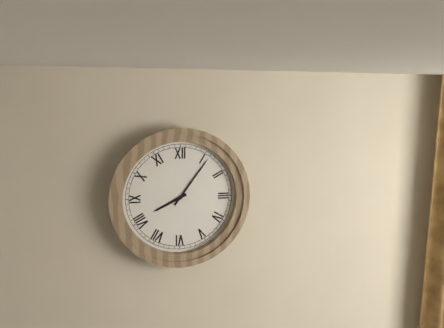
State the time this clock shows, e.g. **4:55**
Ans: **8:06**
